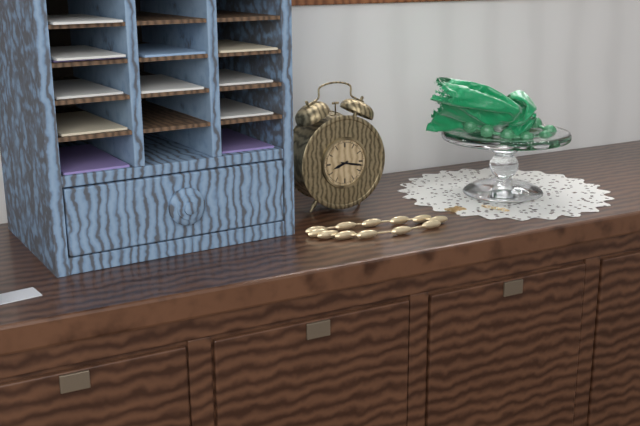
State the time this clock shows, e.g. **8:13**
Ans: **8:17**
